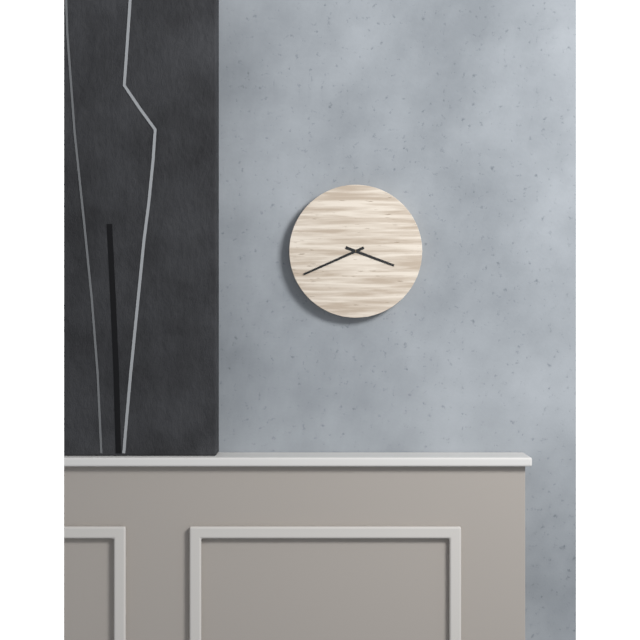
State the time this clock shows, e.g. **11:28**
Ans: **3:41**
